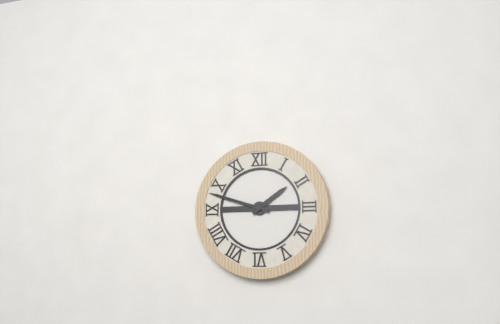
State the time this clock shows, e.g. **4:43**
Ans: **1:48**
